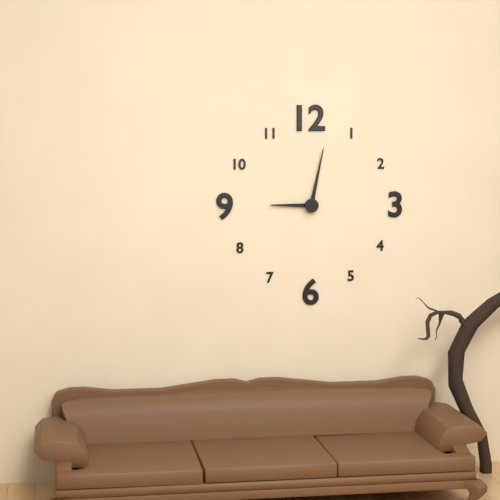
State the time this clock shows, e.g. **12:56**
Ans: **9:02**
